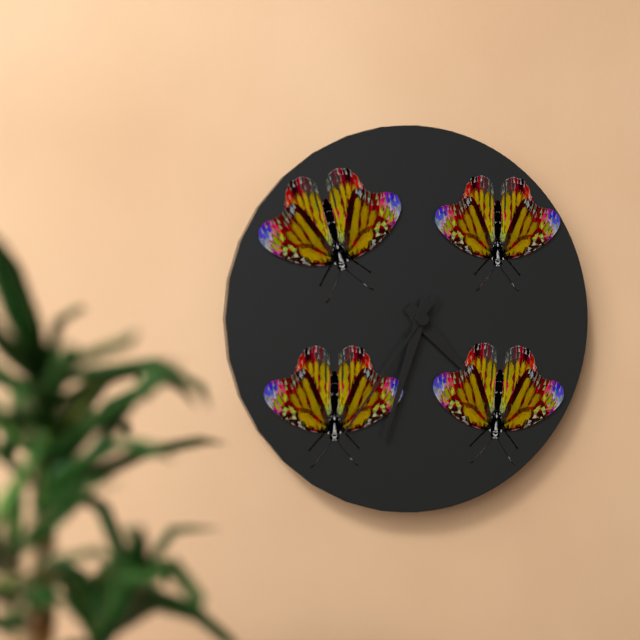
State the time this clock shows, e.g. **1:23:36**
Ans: **4:33:36**
